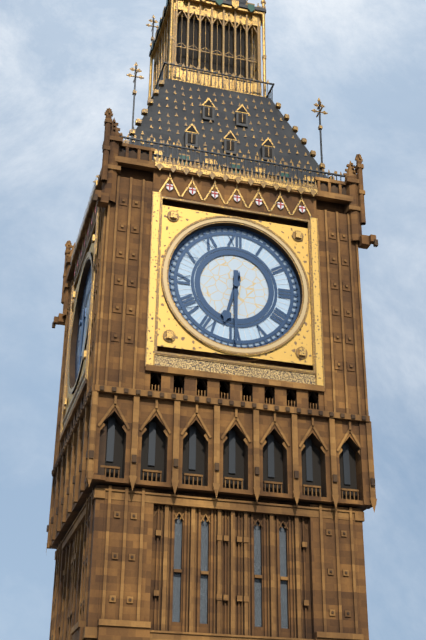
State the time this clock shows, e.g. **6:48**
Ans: **6:30**
